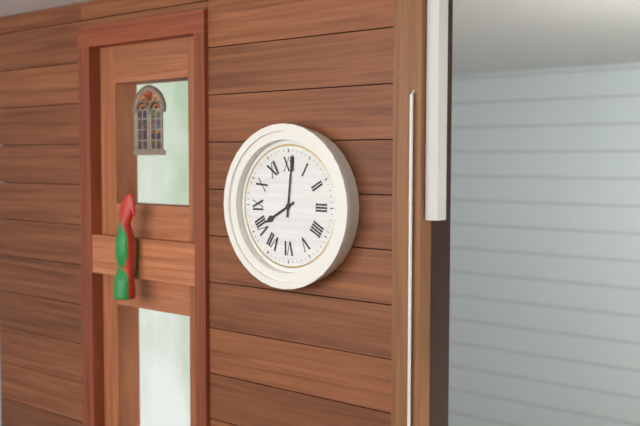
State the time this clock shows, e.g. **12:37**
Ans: **8:01**
